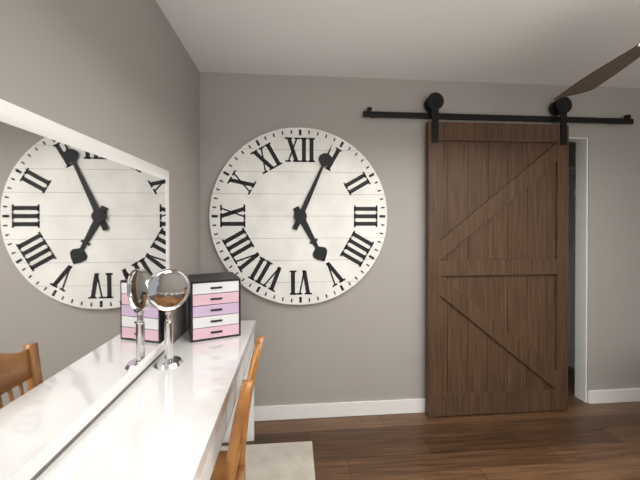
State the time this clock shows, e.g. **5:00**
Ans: **5:04**
